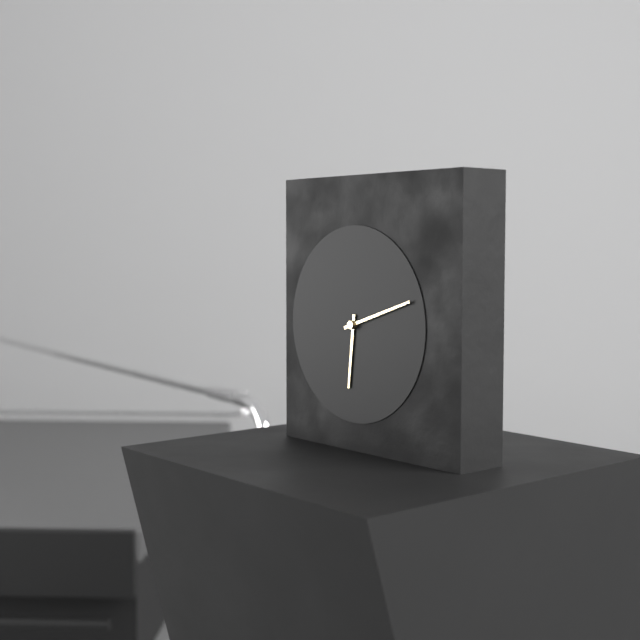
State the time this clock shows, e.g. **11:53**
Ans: **6:12**
